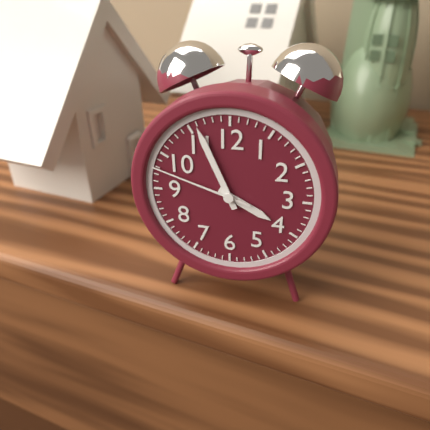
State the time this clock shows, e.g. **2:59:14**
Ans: **3:56:48**
